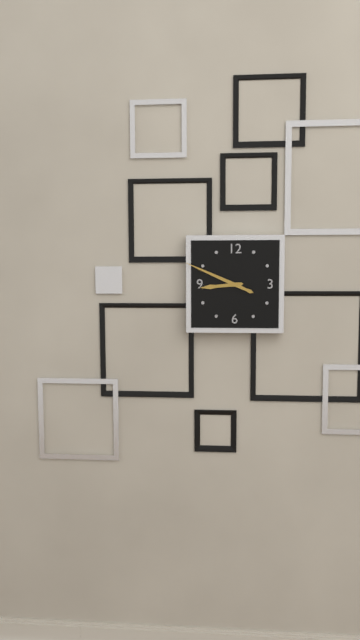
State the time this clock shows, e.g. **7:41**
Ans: **8:49**
